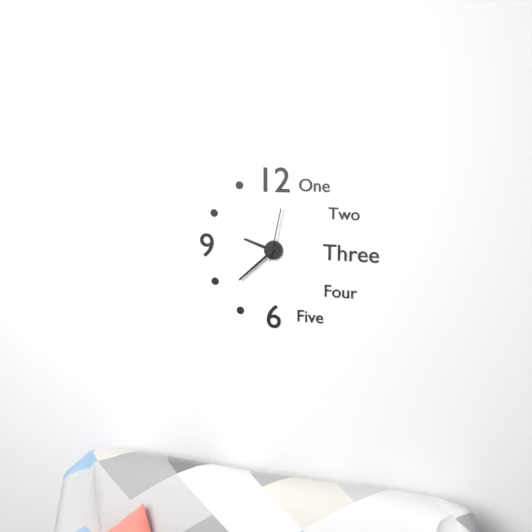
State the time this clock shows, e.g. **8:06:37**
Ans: **9:38:02**
